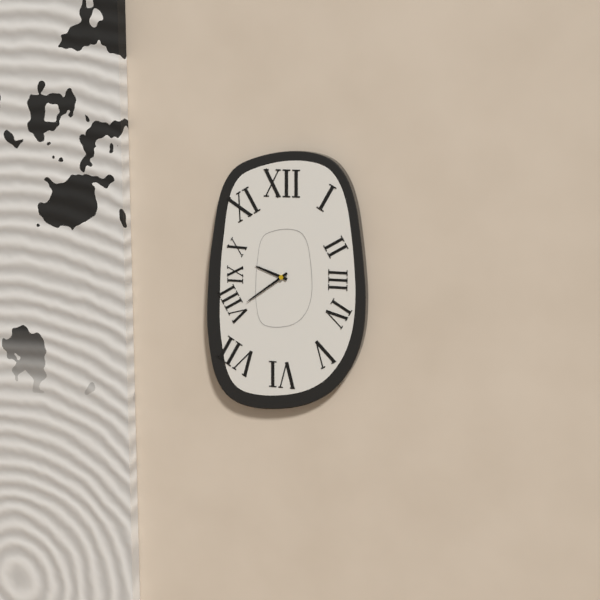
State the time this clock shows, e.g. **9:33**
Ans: **9:39**
